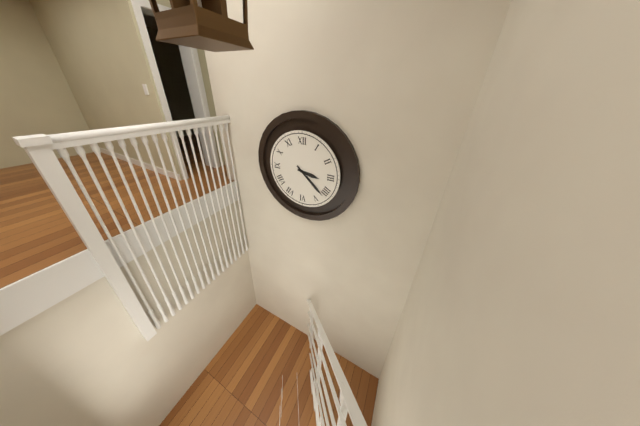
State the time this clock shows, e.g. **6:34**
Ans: **3:22**
